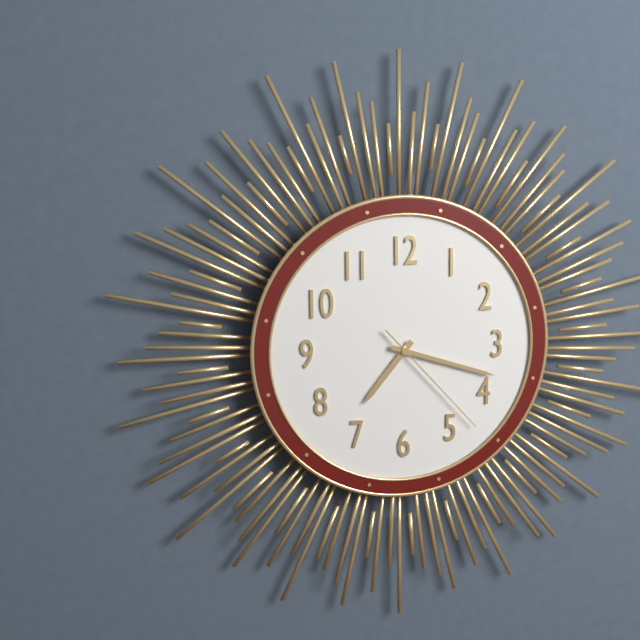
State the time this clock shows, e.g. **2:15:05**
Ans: **7:18:23**
